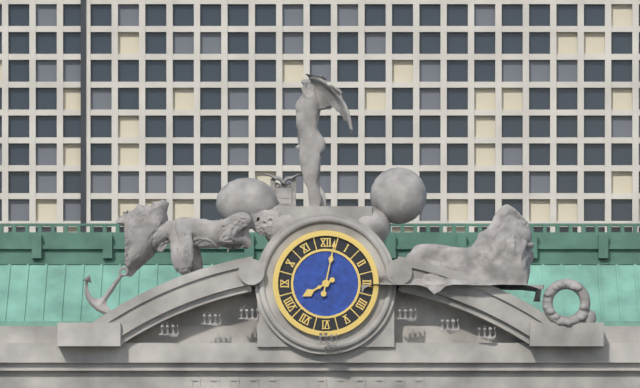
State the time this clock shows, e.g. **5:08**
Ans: **8:02**
